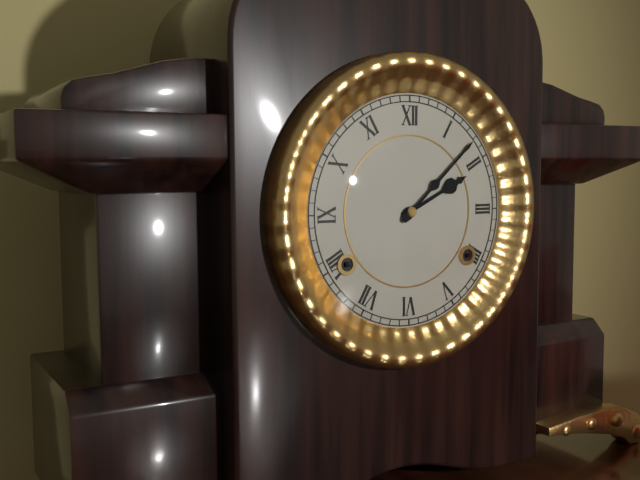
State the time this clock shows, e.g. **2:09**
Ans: **2:08**
